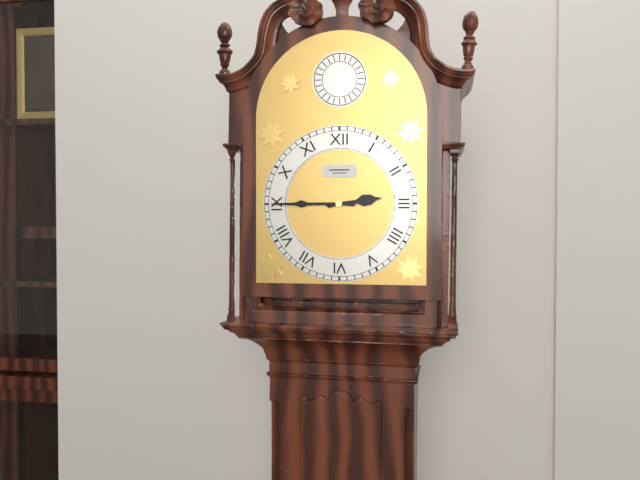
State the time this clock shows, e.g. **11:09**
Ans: **2:45**
